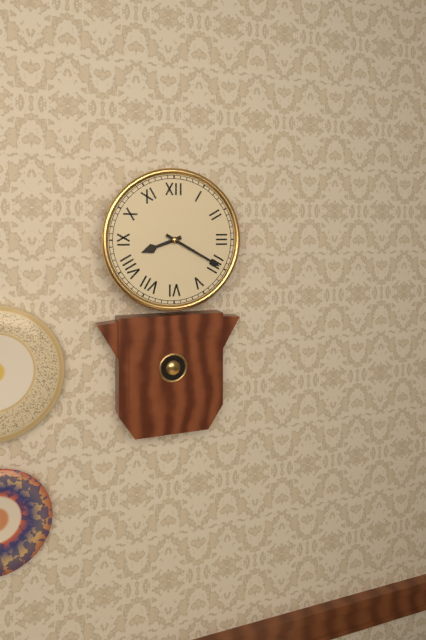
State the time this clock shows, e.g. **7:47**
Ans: **8:20**
